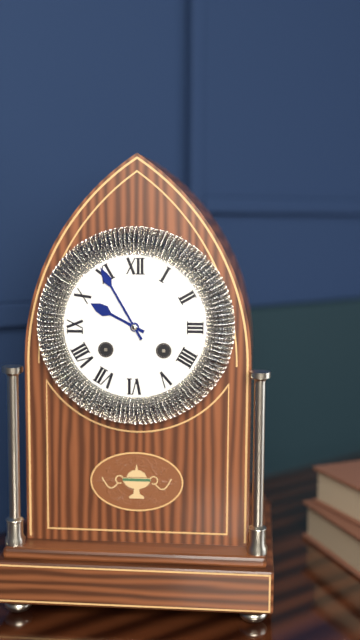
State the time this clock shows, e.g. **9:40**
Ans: **9:55**
